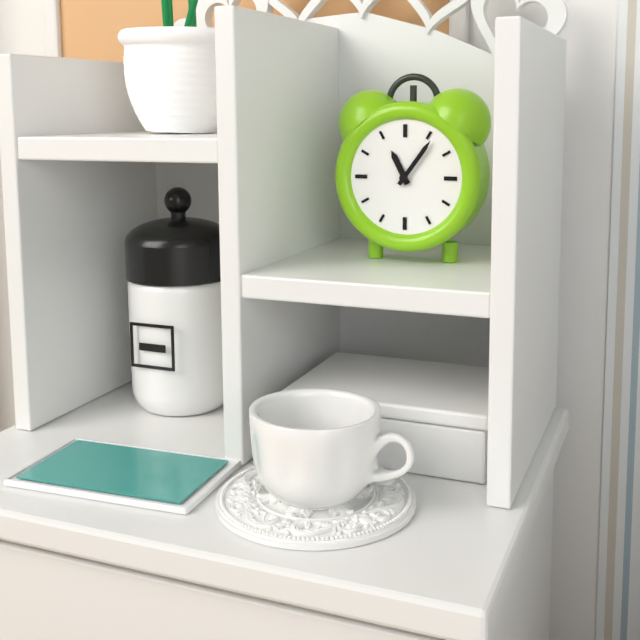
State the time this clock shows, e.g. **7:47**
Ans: **11:06**
